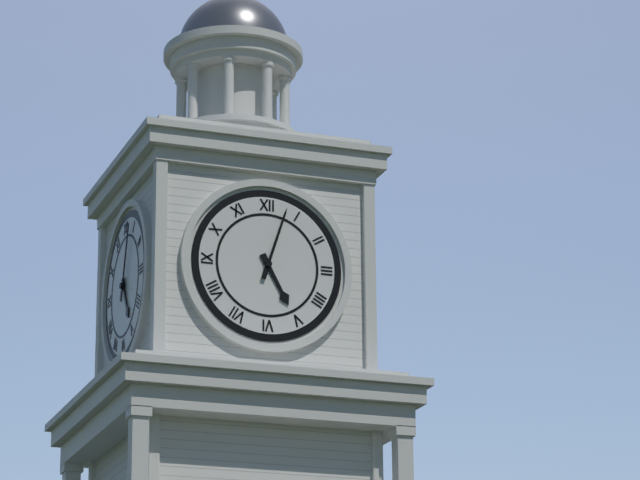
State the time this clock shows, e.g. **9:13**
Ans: **5:03**
